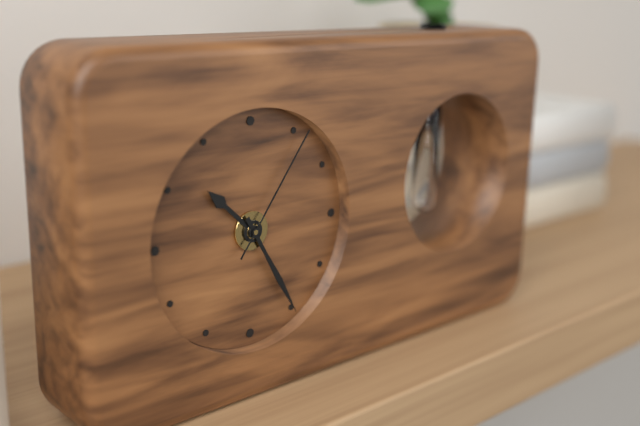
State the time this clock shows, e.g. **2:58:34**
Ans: **10:25:06**
